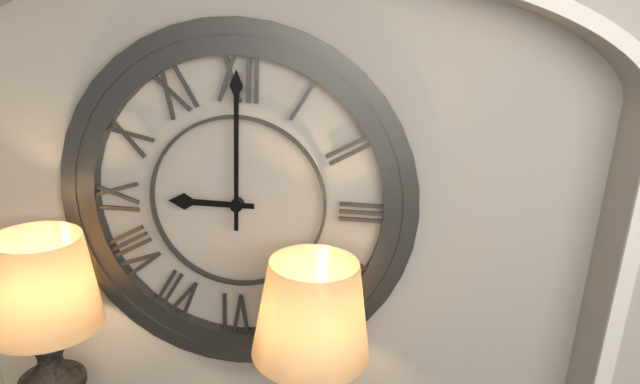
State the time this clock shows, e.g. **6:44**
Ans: **9:00**
